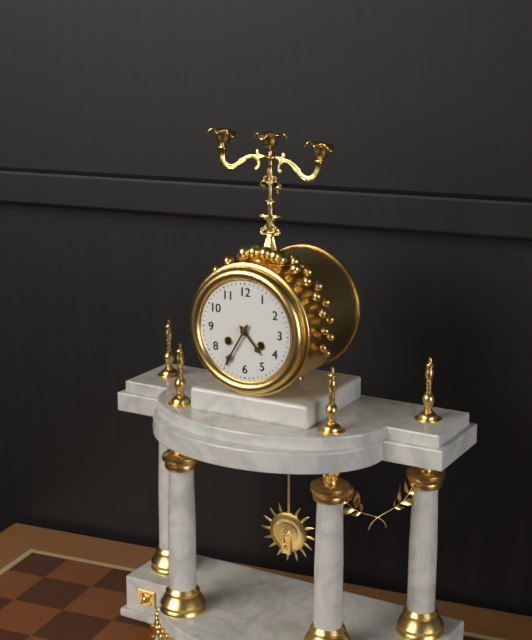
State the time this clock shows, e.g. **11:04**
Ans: **4:35**
